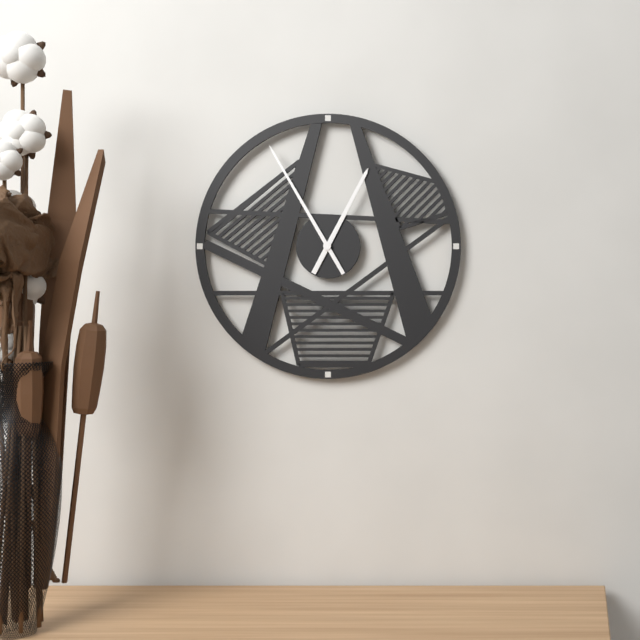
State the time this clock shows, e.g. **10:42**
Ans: **12:55**
